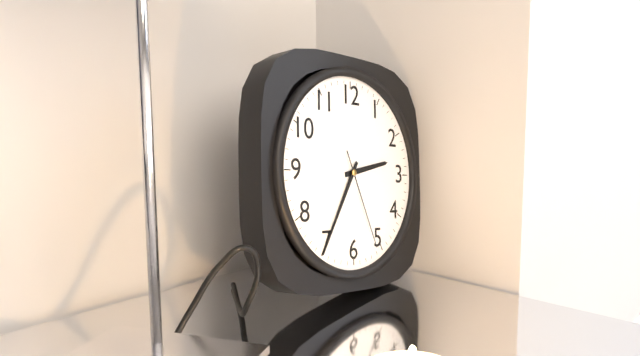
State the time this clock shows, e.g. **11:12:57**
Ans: **2:35:26**
